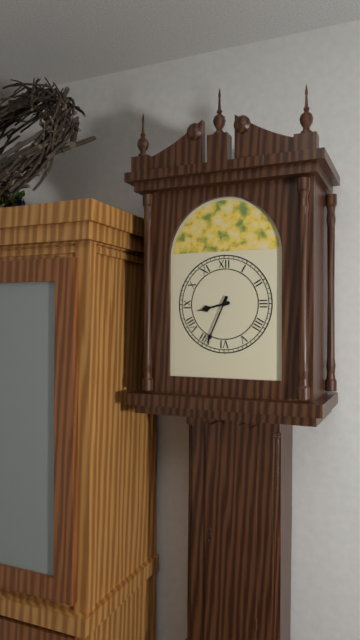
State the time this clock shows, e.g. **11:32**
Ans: **8:34**
